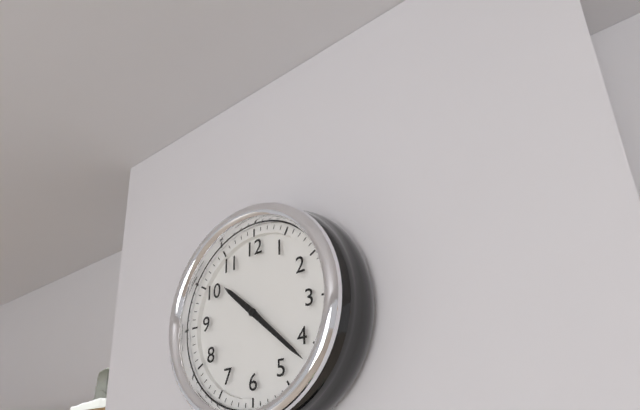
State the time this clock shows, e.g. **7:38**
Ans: **10:22**
